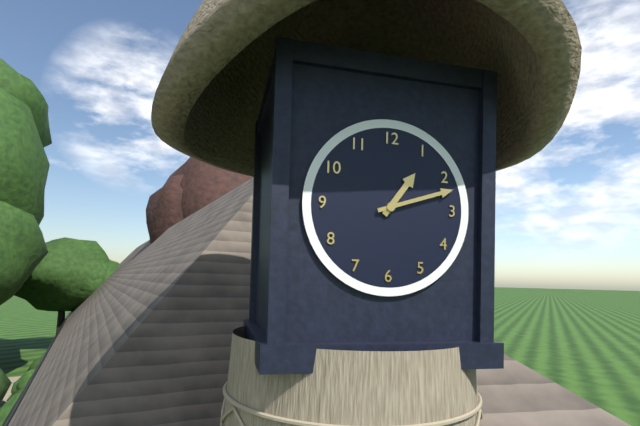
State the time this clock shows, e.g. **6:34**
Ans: **1:12**
